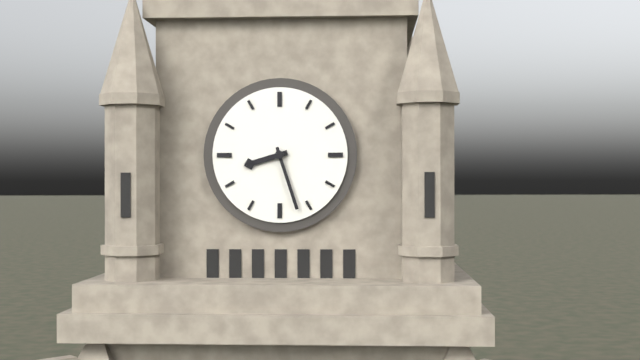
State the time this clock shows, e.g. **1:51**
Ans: **8:27**
